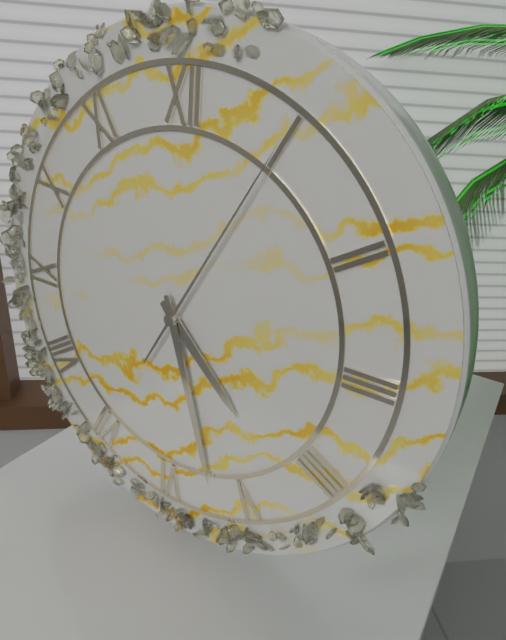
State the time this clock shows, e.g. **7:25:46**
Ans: **4:27:05**
